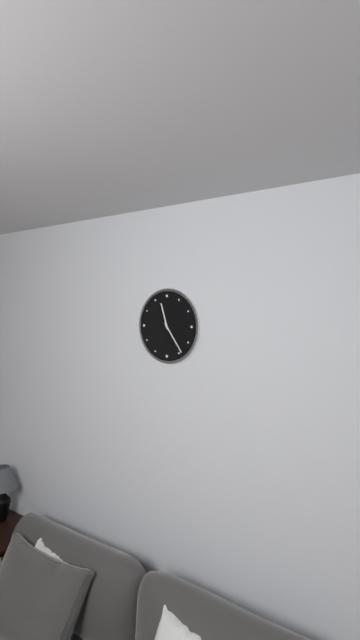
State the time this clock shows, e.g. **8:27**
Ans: **11:24**
